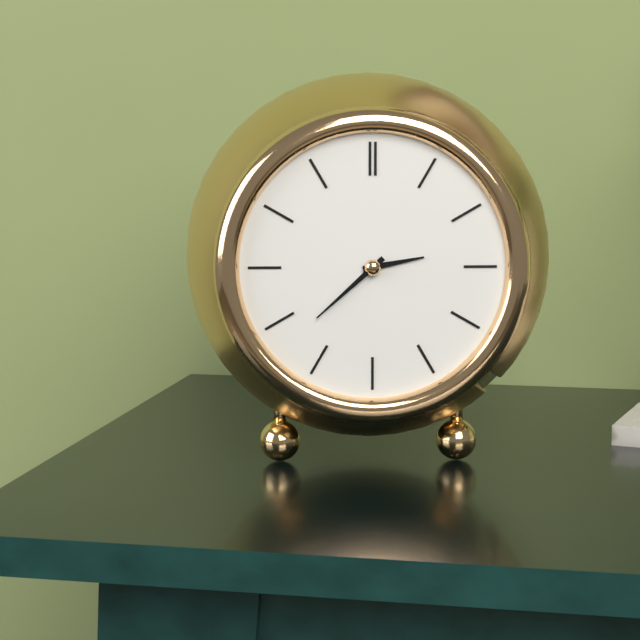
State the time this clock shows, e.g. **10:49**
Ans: **2:38**
